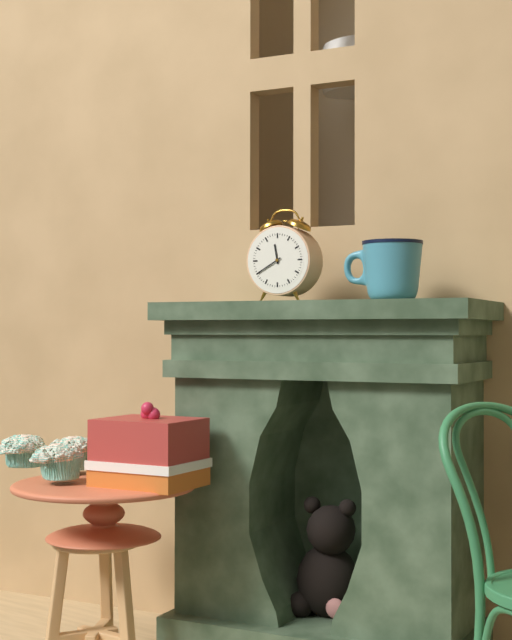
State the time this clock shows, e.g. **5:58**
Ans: **11:40**
